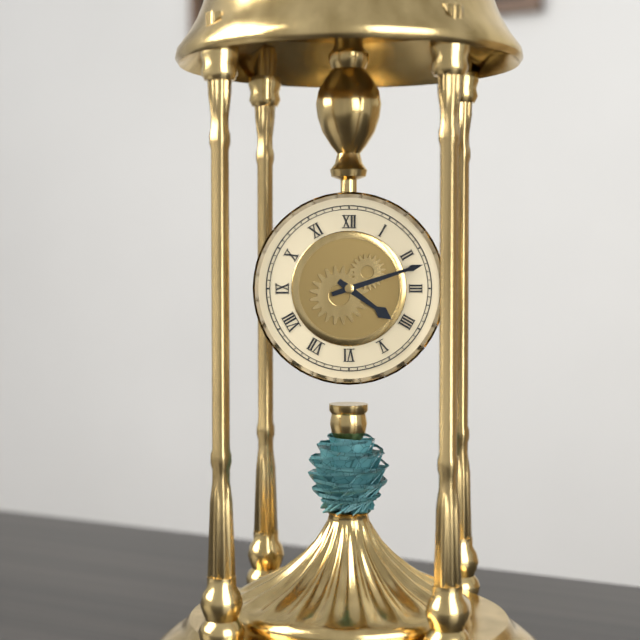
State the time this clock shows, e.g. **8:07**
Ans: **4:12**
